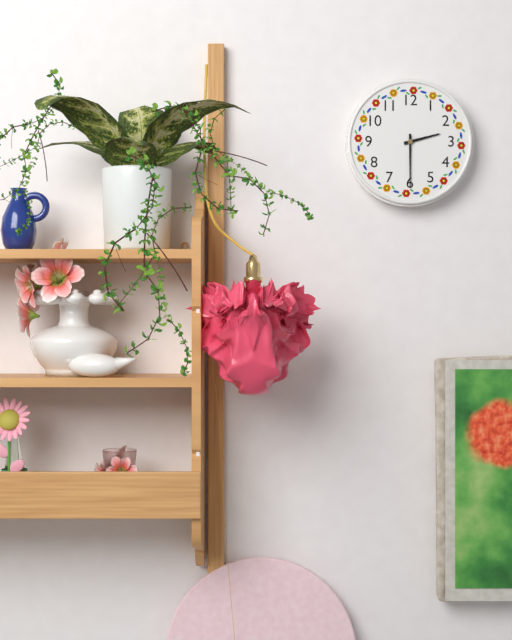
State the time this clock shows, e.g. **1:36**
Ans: **2:30**
